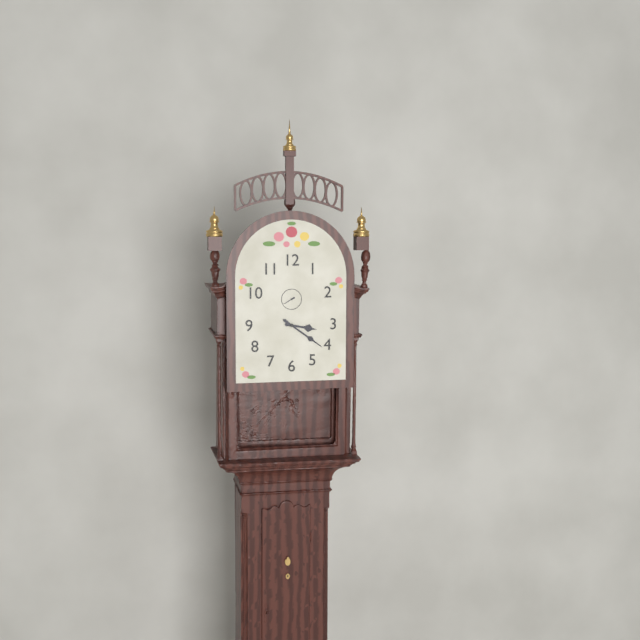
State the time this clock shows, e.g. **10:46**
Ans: **3:21**
